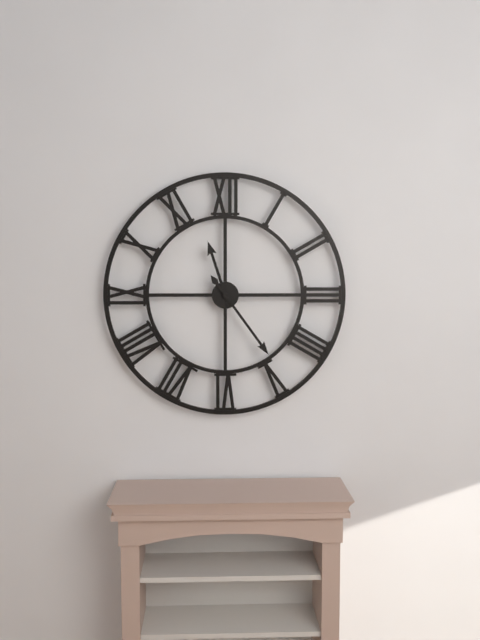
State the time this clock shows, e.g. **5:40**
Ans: **11:24**
